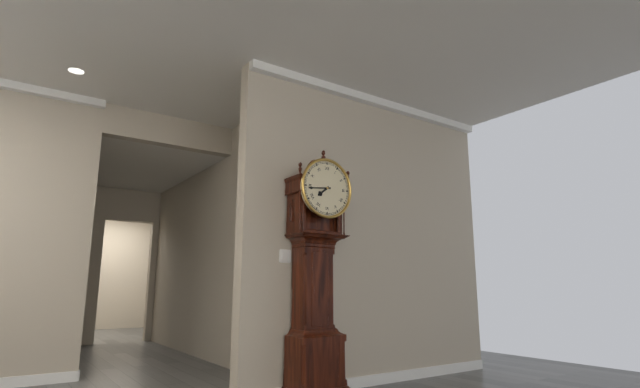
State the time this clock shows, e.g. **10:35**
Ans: **7:44**
